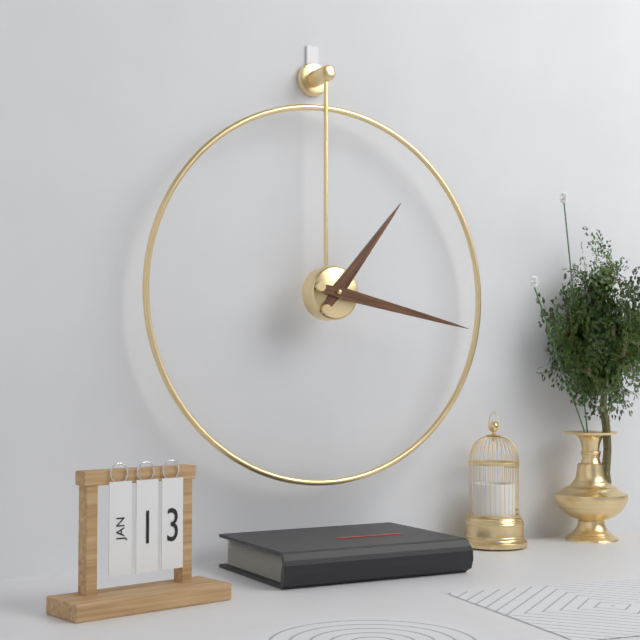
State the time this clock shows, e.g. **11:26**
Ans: **1:17**
